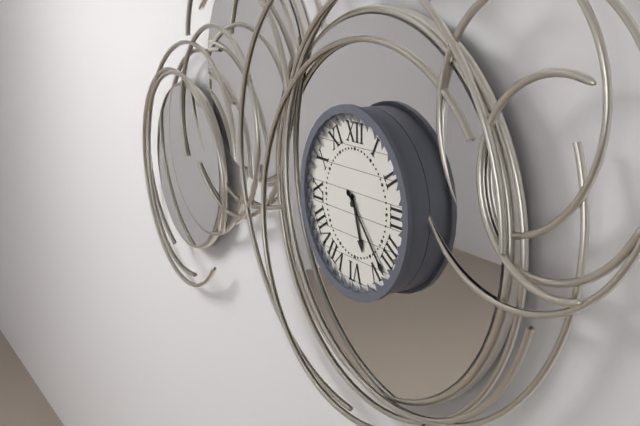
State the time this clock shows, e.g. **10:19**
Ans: **5:23**
